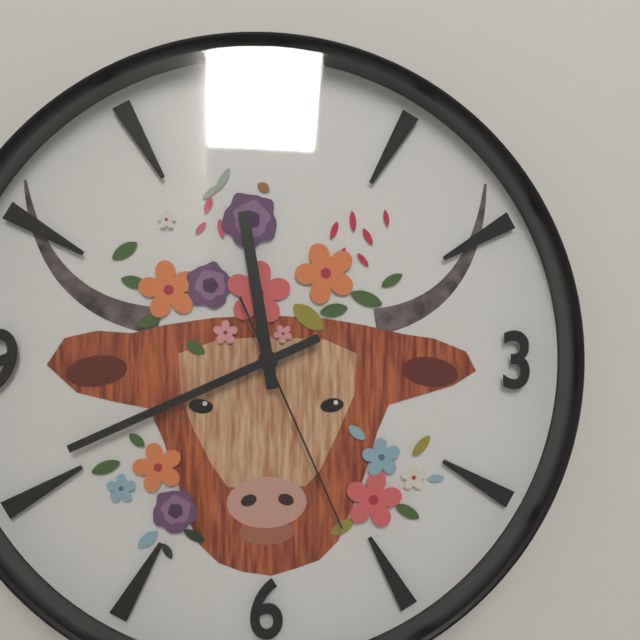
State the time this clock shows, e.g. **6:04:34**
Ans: **11:41:26**
